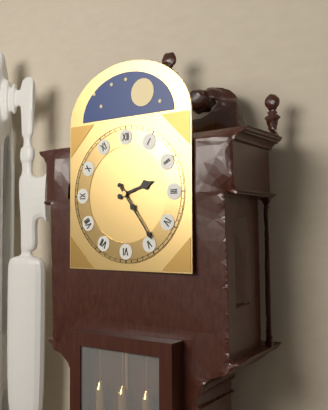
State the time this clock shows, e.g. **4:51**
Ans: **2:24**
